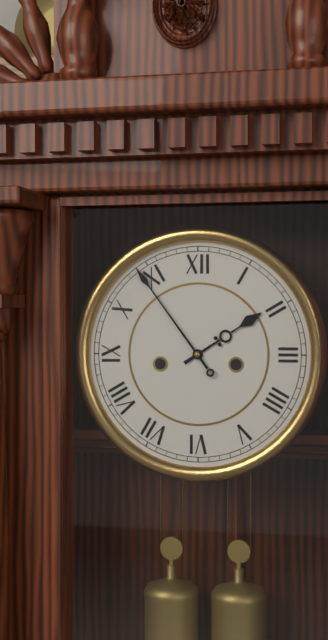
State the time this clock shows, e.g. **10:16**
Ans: **1:54**
